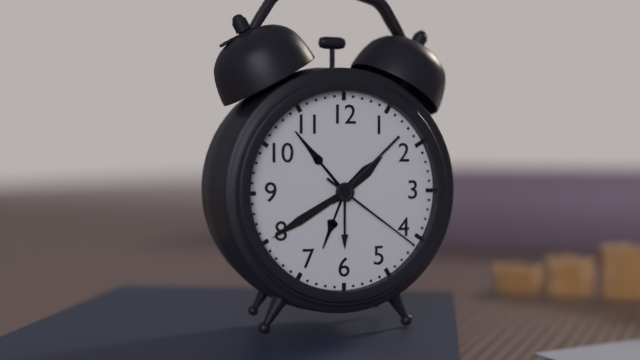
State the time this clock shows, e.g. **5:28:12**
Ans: **1:40:21**
